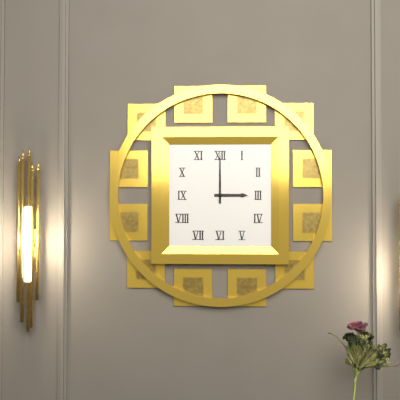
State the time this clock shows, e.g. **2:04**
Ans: **3:00**
